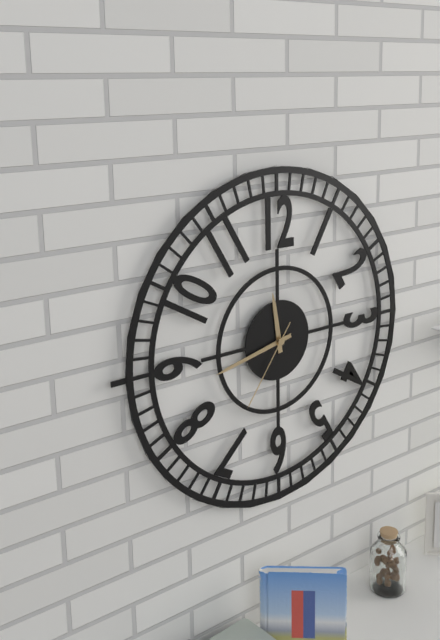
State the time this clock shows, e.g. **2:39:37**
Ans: **11:43:36**
